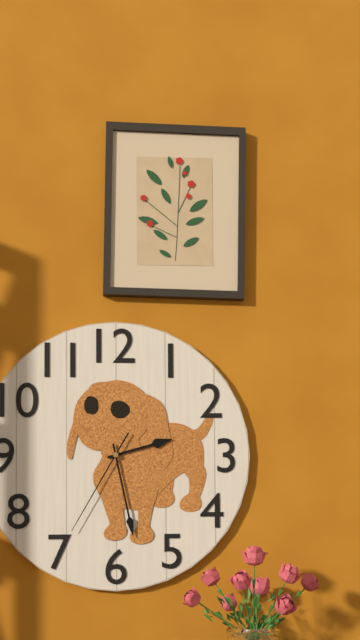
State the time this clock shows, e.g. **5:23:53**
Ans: **2:28:35**
